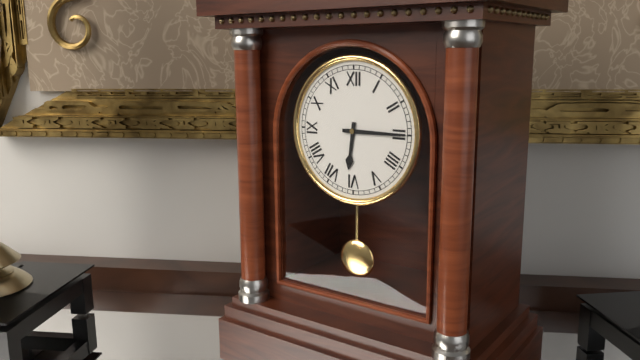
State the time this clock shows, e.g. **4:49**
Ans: **6:15**
